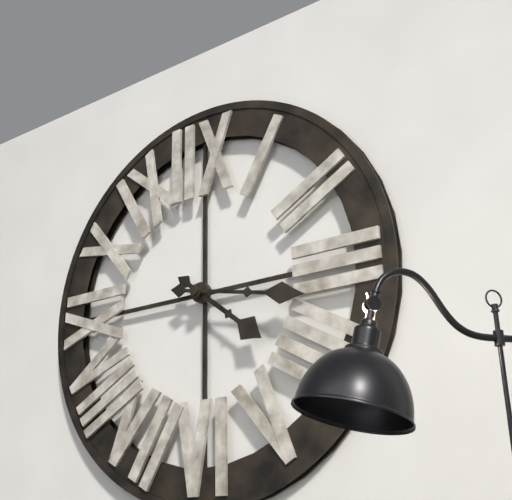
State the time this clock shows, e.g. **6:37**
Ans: **4:17**
